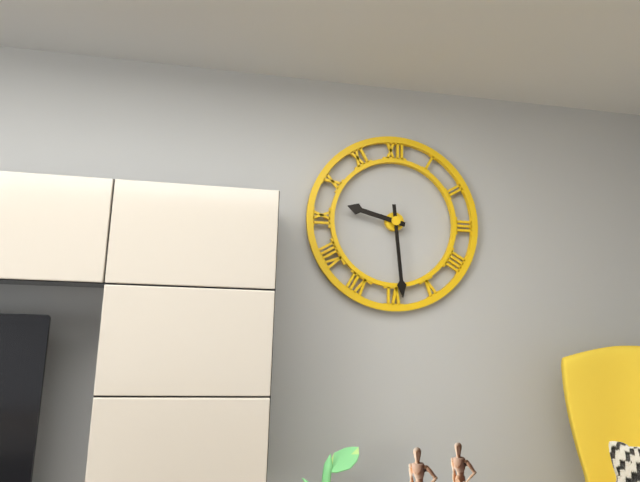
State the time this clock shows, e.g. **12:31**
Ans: **9:29**
